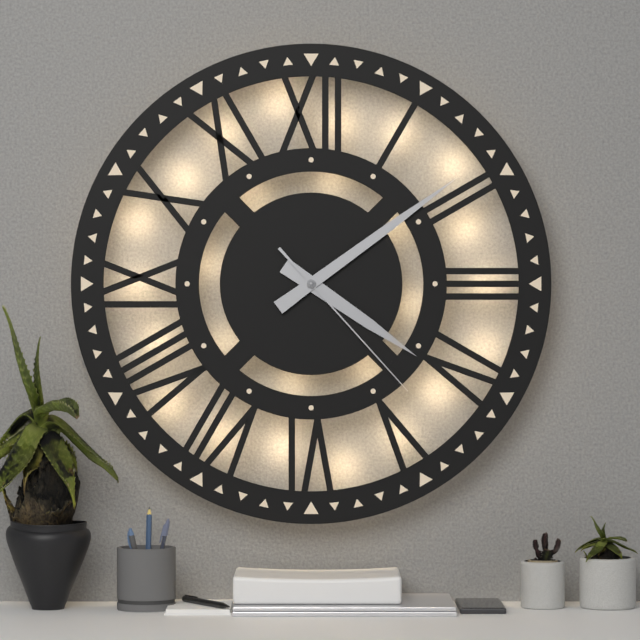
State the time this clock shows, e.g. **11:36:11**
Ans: **4:09:23**
